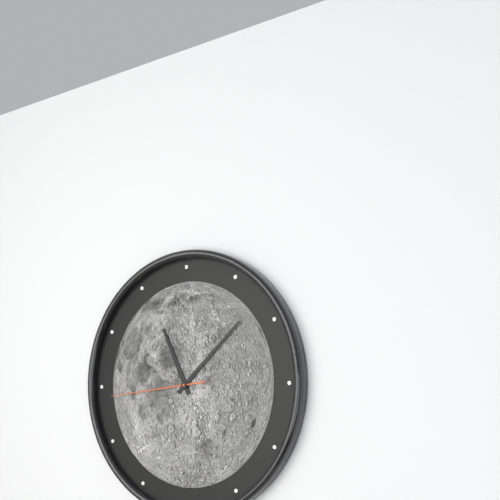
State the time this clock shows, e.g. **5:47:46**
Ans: **11:08:44**
